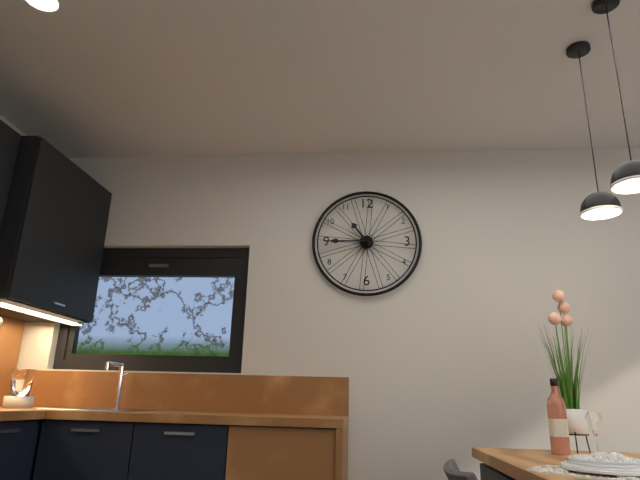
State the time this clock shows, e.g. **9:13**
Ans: **10:45**
